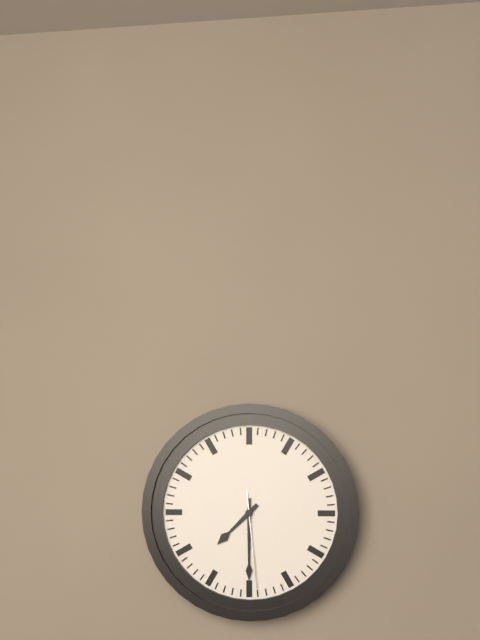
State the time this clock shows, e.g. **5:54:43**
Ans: **7:30:29**
